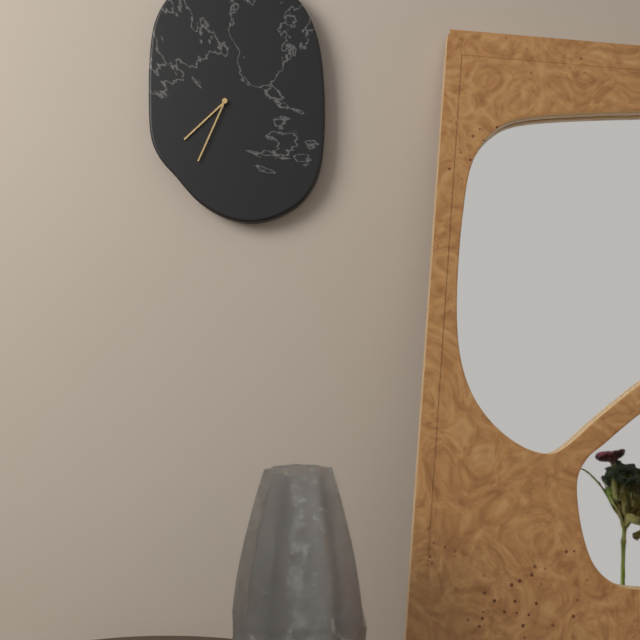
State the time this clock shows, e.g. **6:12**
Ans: **7:34**
